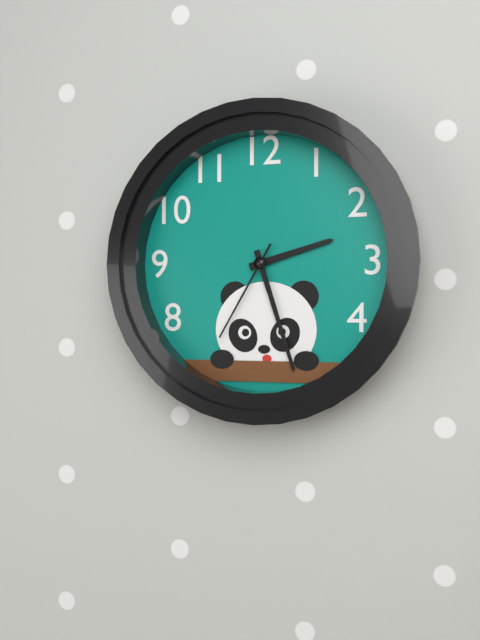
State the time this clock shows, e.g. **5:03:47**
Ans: **2:27:35**
